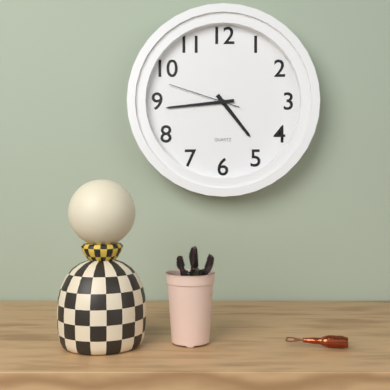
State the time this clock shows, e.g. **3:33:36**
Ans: **4:44:48**
